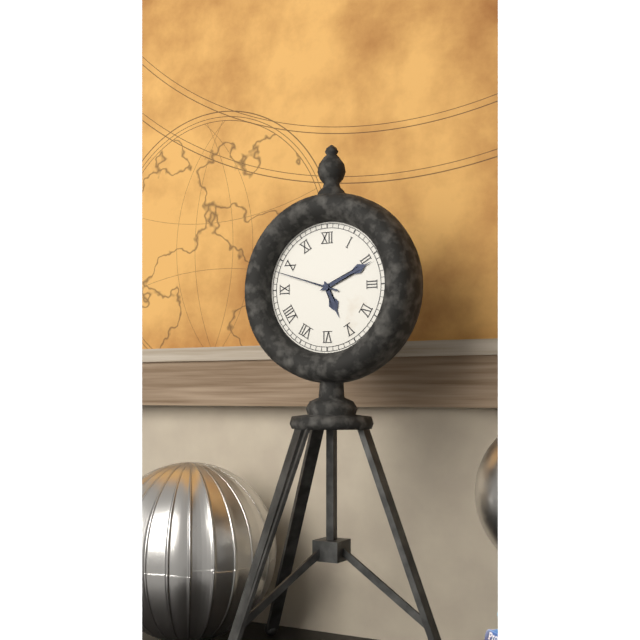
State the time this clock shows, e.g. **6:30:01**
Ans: **5:11:48**
